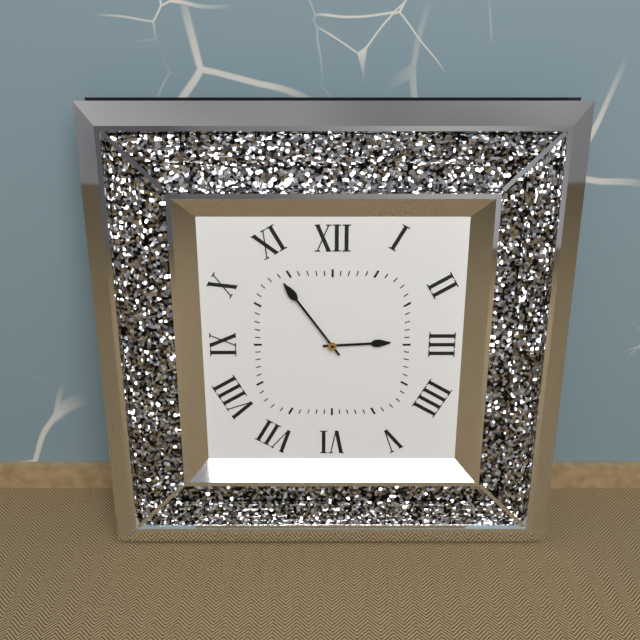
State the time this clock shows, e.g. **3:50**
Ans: **2:54**
